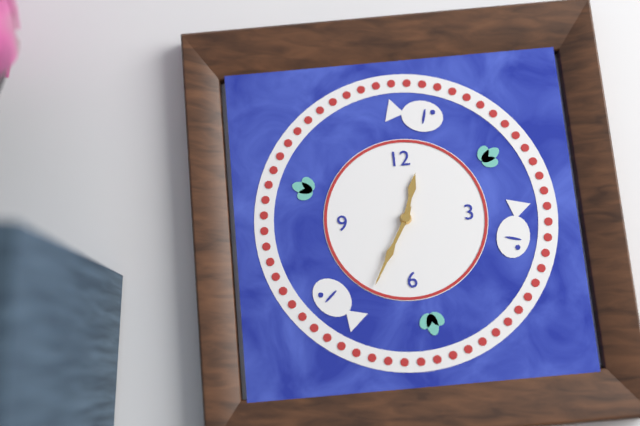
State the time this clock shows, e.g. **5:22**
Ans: **12:35**
